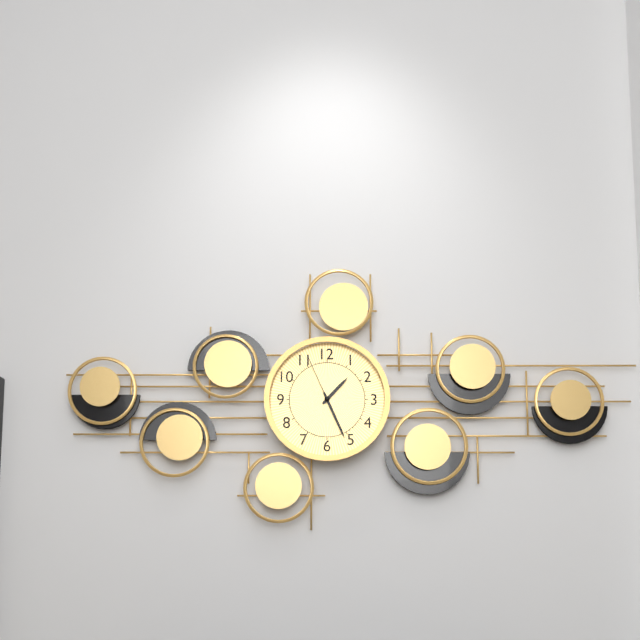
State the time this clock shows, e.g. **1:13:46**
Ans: **1:26:56**
